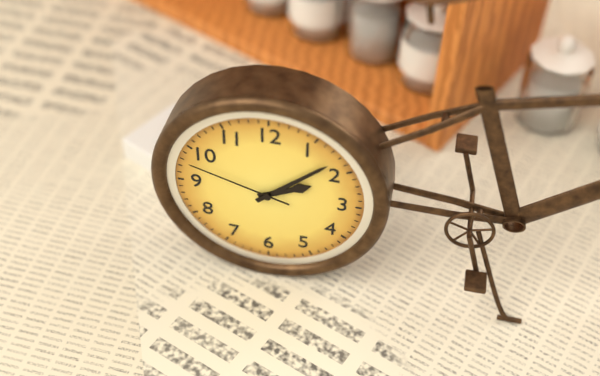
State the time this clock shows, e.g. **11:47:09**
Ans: **2:08:48**
